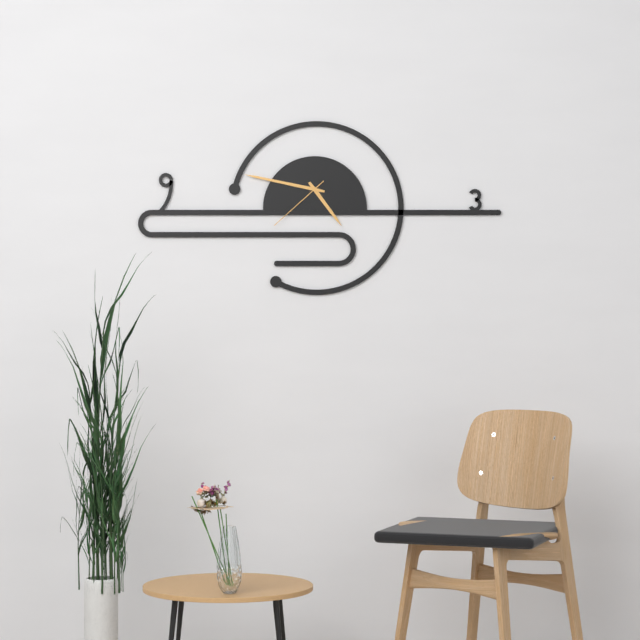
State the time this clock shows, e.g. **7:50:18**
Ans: **4:47:38**
